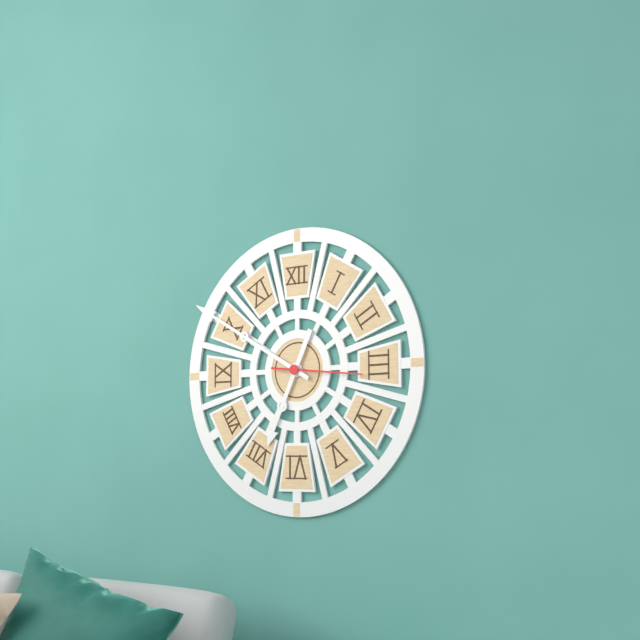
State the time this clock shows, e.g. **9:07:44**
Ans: **6:50:16**
